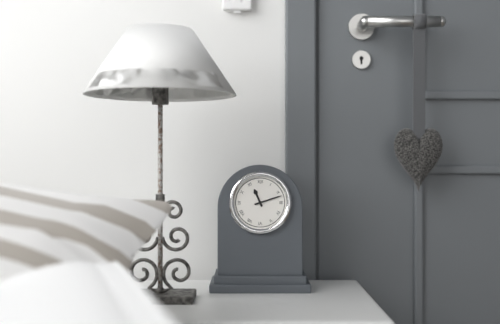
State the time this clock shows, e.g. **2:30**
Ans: **11:12**
